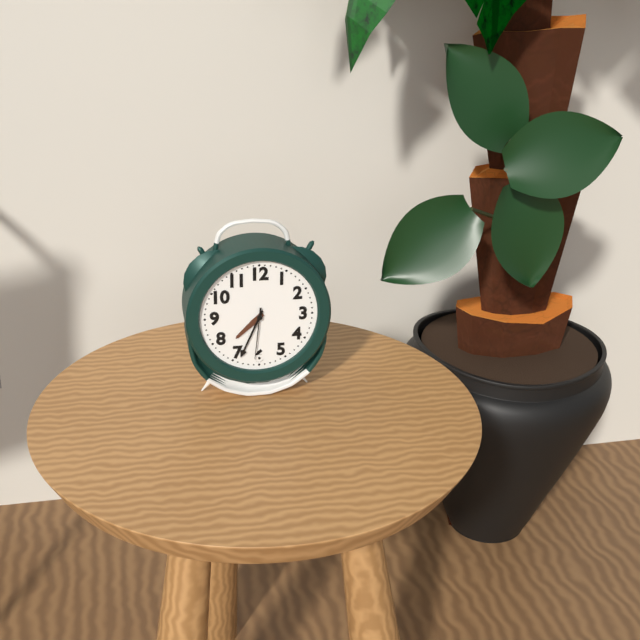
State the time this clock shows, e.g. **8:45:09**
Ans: **7:34:31**
